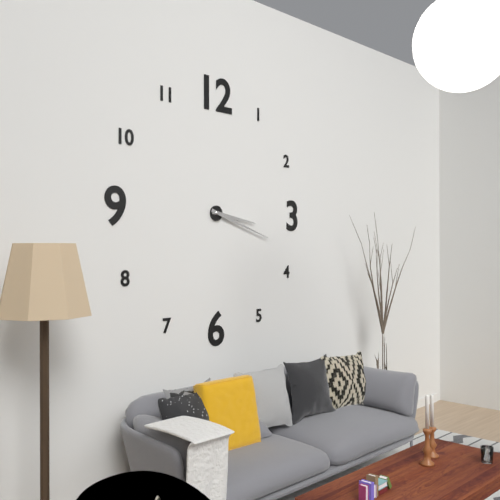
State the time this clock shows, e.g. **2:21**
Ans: **3:18**
